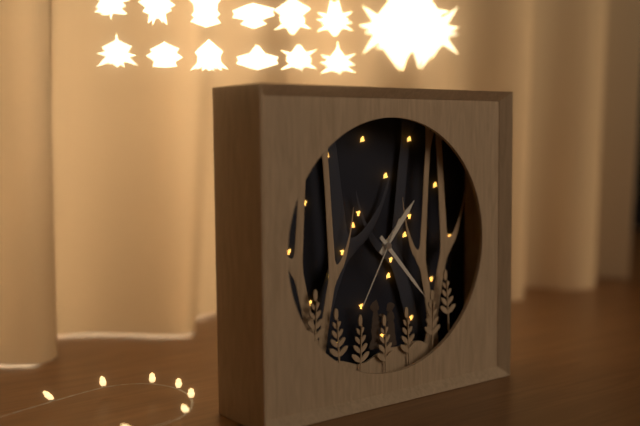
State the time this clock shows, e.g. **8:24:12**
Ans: **1:23:35**
